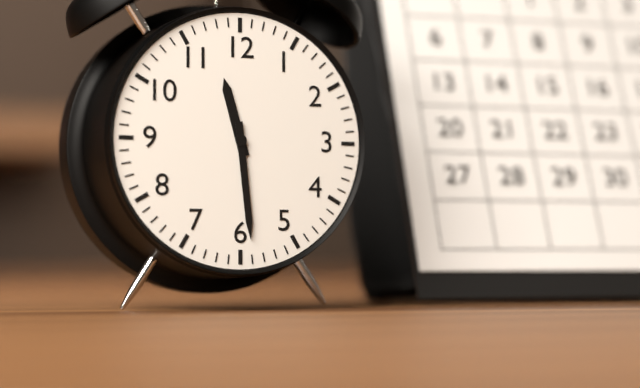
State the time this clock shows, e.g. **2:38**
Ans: **11:29**
